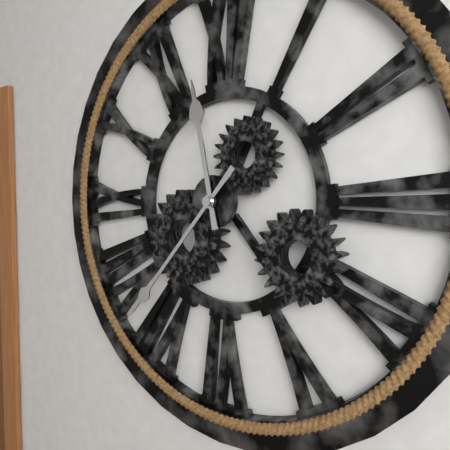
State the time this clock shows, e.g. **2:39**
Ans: **11:37**
